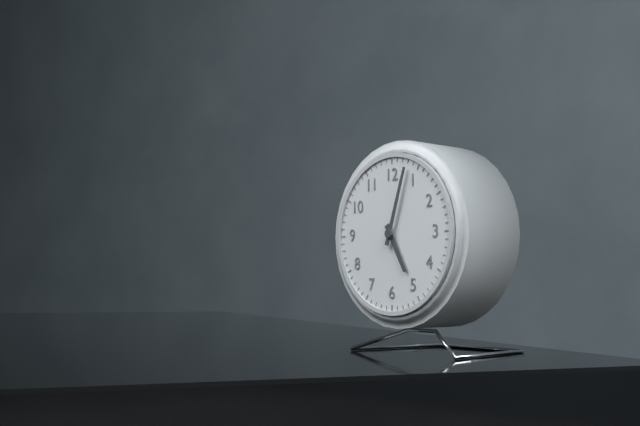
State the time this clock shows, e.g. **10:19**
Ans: **5:03**
